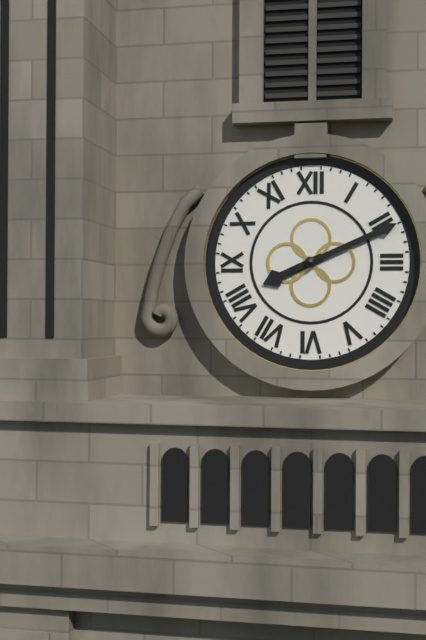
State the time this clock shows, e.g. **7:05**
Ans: **8:11**
